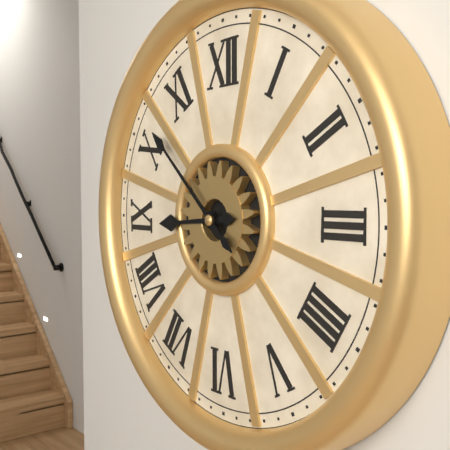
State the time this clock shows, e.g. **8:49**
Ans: **8:52**
